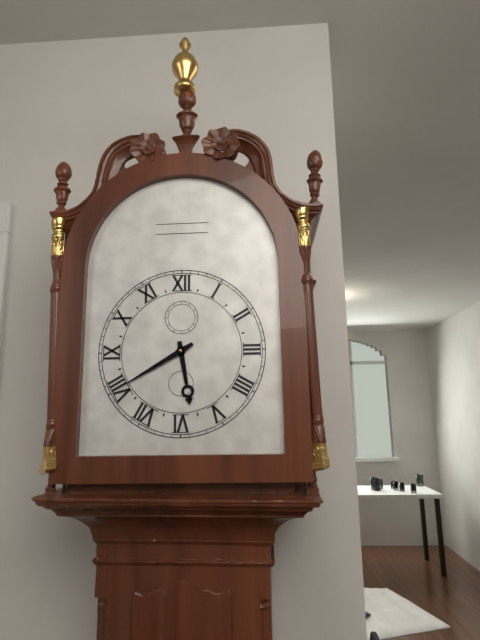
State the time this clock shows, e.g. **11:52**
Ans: **5:40**
